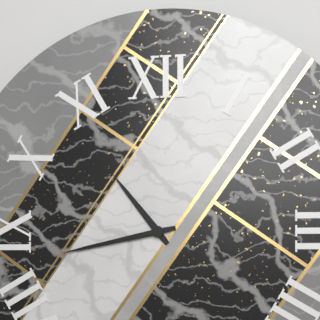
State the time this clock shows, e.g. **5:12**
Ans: **10:43**
